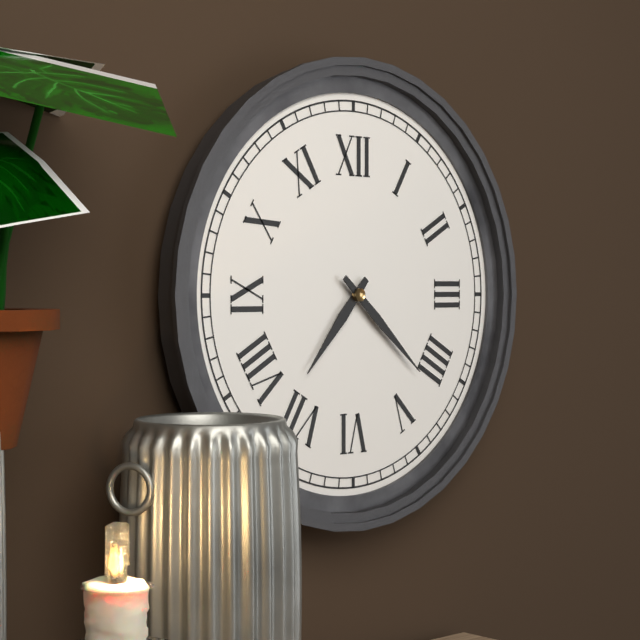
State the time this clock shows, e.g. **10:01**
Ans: **7:22**
